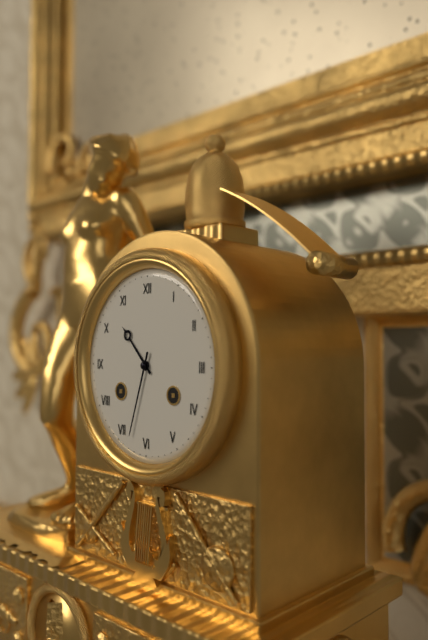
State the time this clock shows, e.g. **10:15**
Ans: **10:33**
